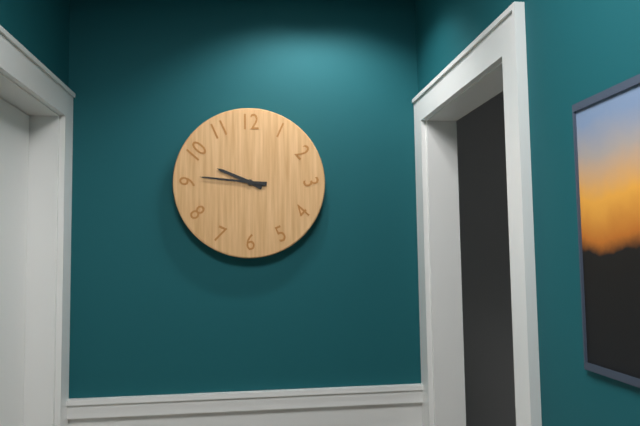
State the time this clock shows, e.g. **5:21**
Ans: **9:46**
